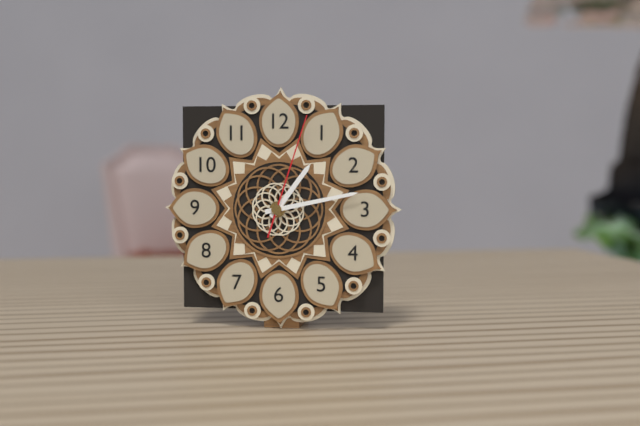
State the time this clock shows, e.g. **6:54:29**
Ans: **1:13:03**
